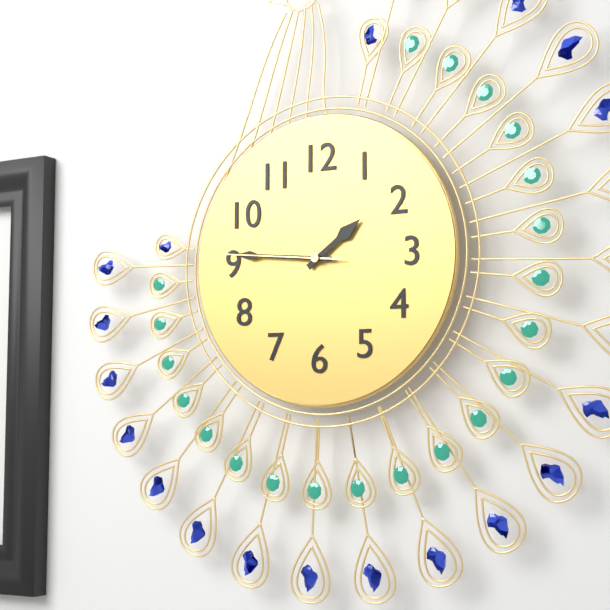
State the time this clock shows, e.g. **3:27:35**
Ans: **1:46:46**
